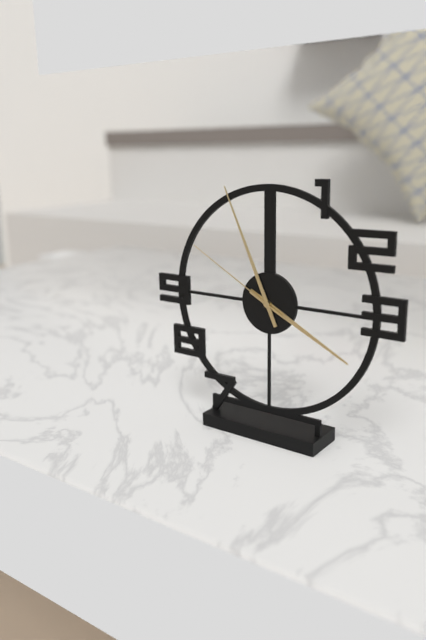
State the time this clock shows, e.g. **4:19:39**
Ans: **3:56:50**
